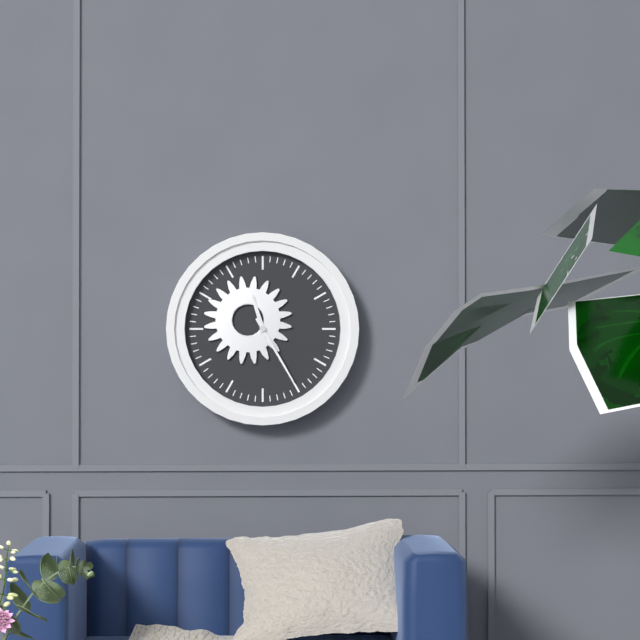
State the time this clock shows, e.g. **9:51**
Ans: **11:25**
